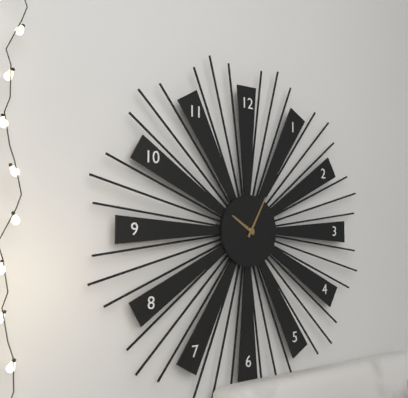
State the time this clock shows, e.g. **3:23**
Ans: **10:05**
